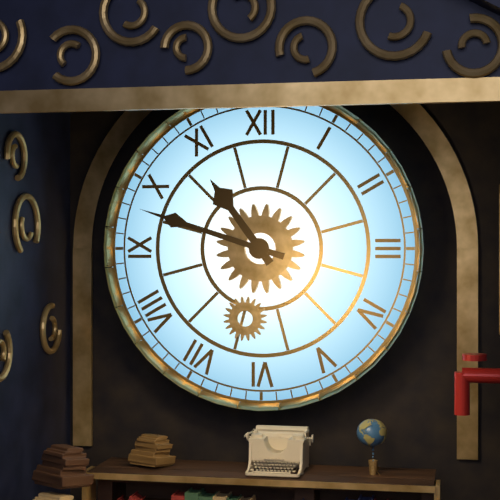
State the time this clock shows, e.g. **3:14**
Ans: **10:48**
